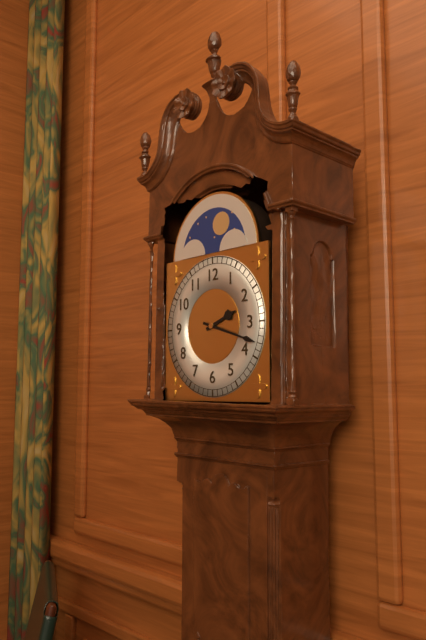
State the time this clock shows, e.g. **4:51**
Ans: **2:18**
